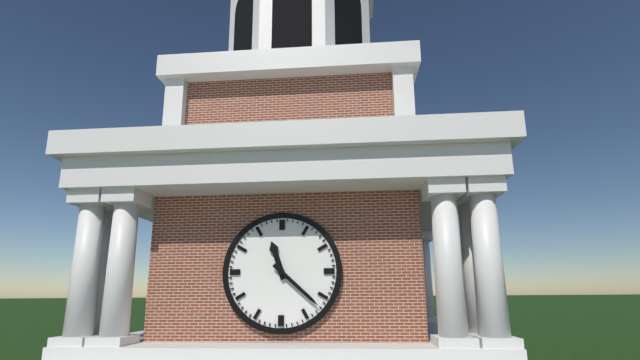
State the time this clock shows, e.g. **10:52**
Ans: **11:22**
